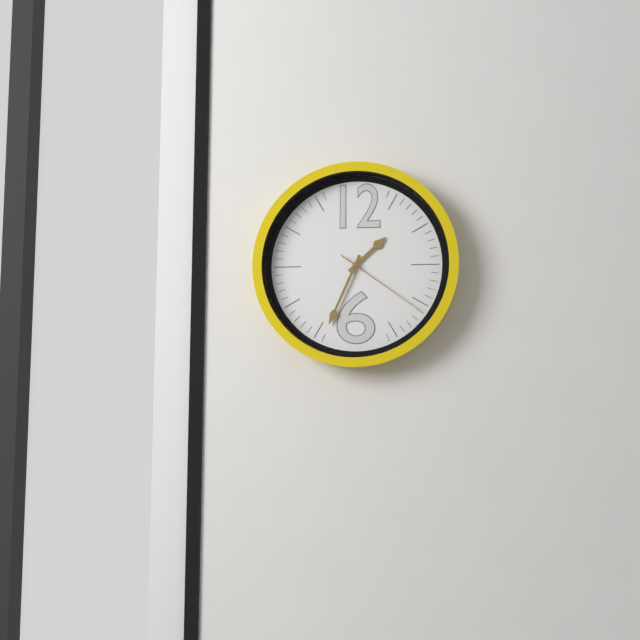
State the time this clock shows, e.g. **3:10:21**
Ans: **1:34:21**
